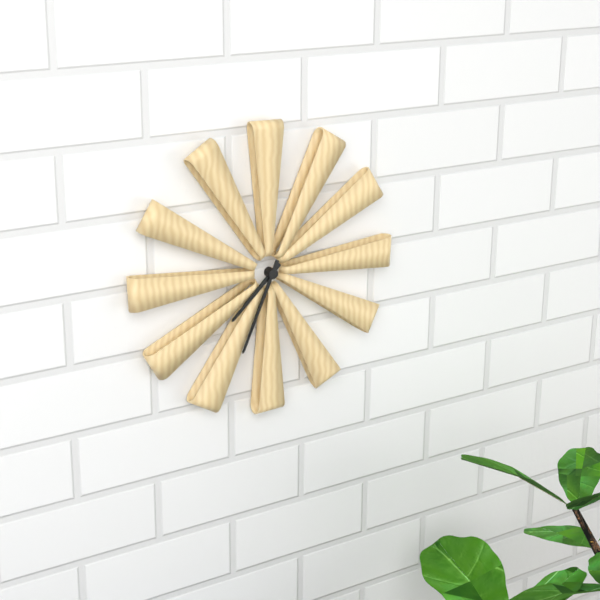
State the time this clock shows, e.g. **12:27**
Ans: **7:34**
